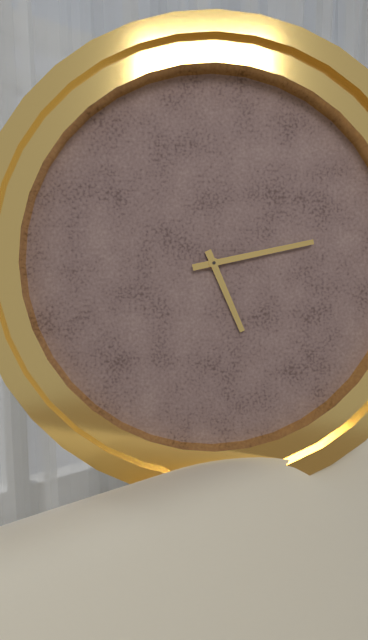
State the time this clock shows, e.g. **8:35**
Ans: **5:13**
